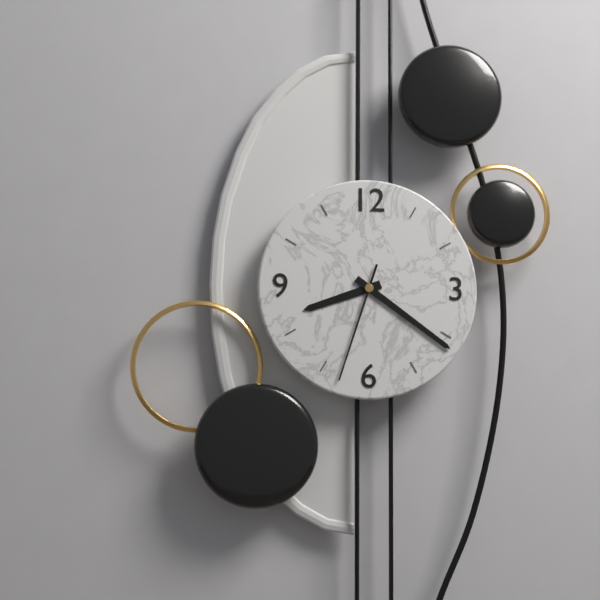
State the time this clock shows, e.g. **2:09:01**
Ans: **8:21:33**
